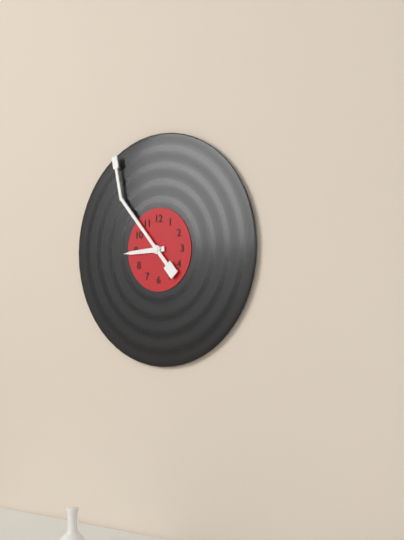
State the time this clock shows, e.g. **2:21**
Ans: **8:53**
